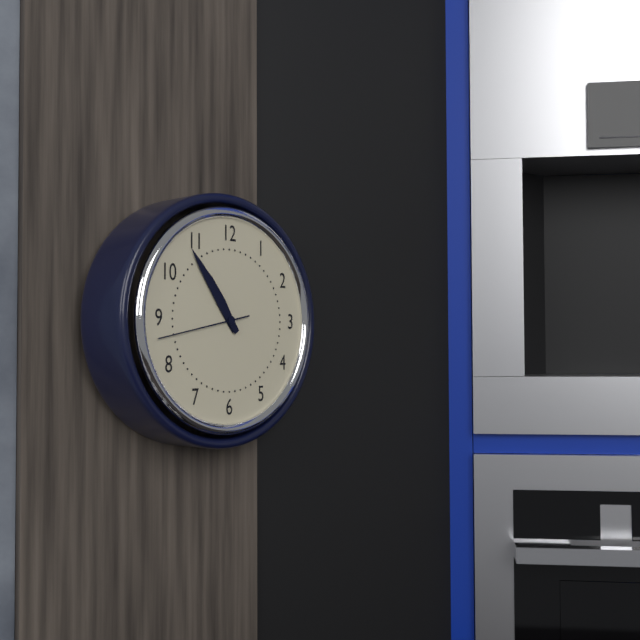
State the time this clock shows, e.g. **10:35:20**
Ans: **10:54:43**
